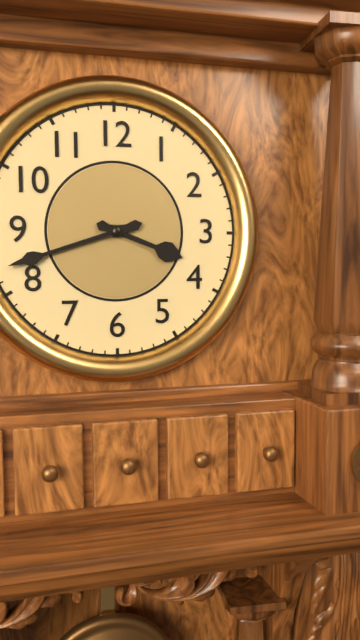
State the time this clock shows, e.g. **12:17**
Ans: **3:42**
